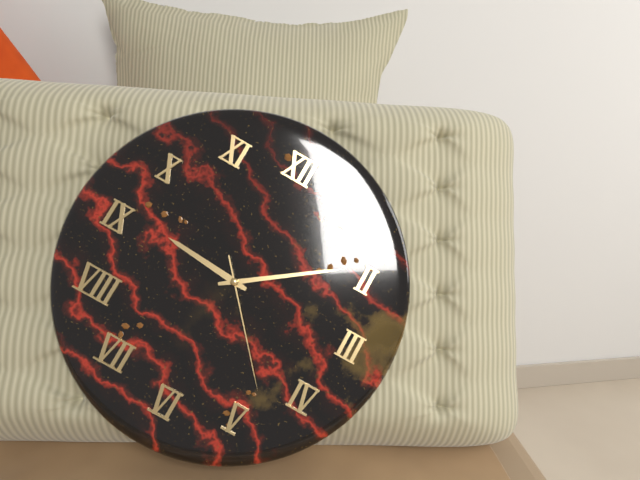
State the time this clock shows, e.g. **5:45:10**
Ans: **9:09:23**
